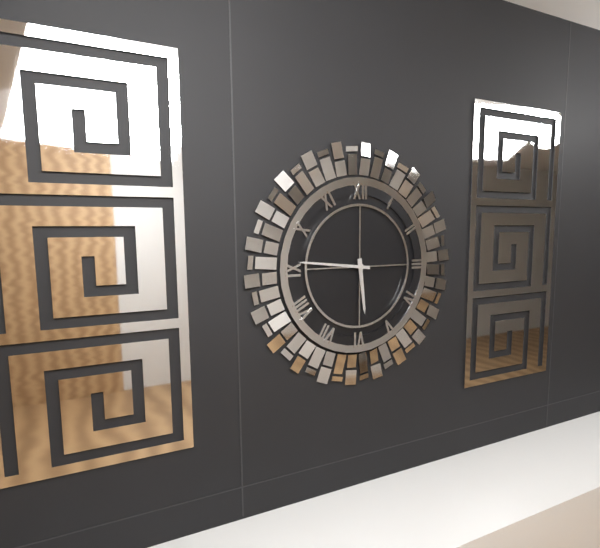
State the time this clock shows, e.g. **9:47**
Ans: **5:46**
